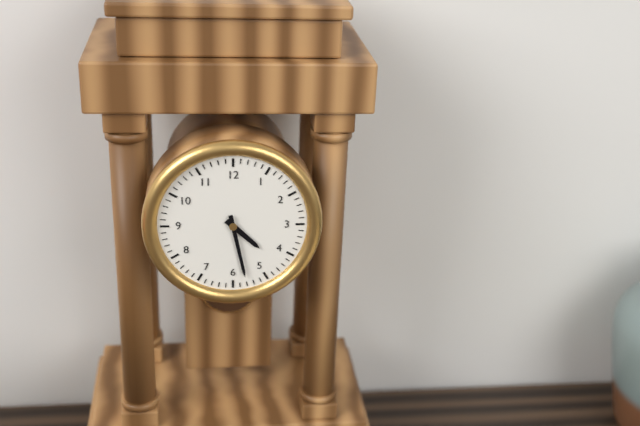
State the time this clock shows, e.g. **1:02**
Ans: **4:28**
